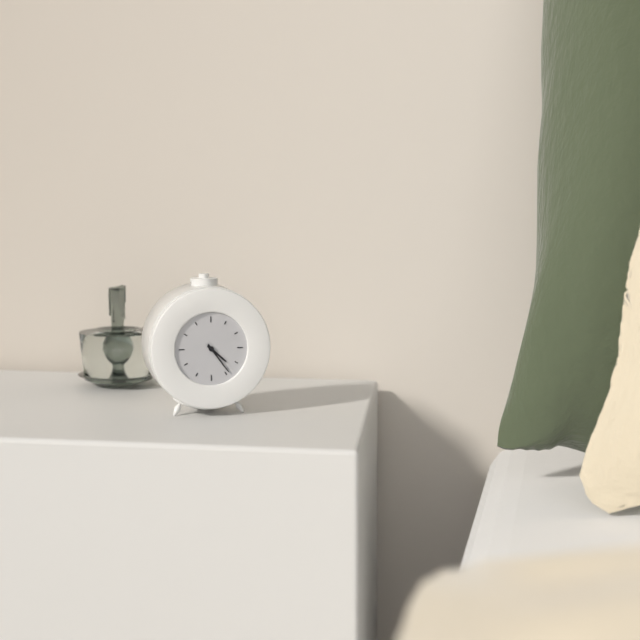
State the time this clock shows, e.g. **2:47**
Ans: **4:24**
